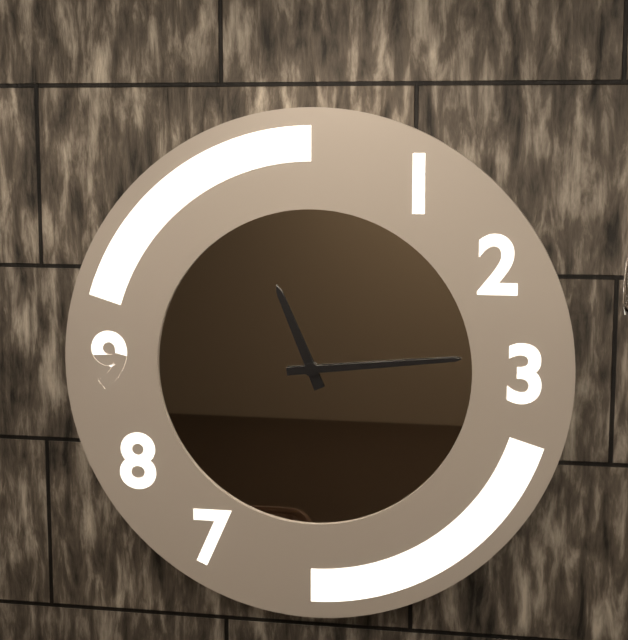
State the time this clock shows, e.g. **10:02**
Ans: **11:14**
